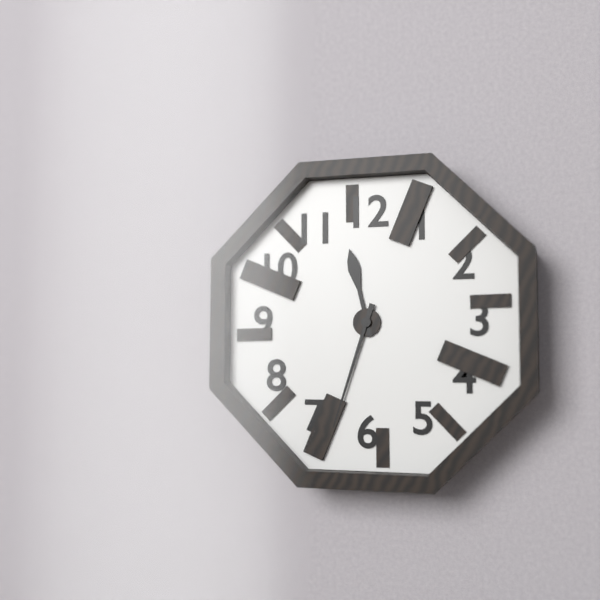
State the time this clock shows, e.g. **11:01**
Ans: **11:33**
